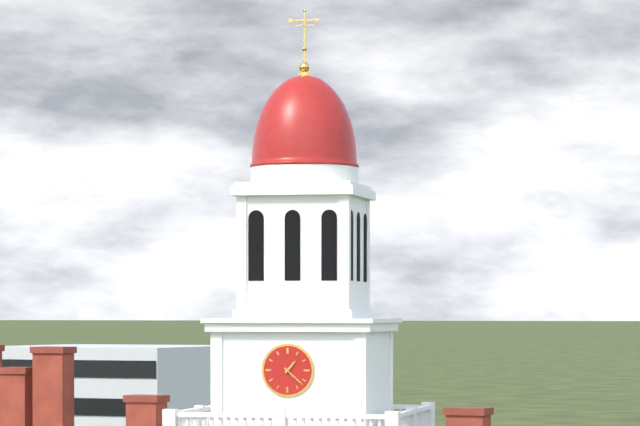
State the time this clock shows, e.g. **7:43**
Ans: **1:22**
